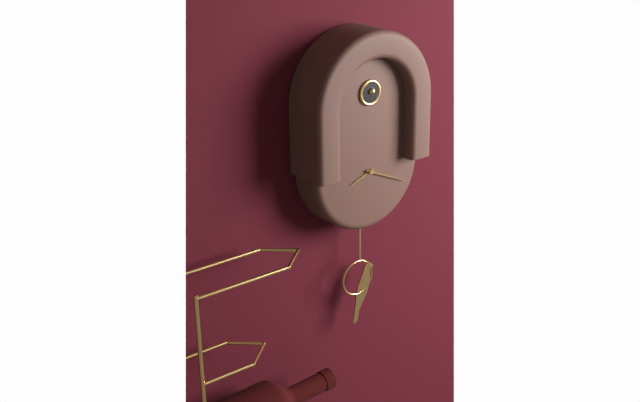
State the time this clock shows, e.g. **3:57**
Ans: **8:19**
